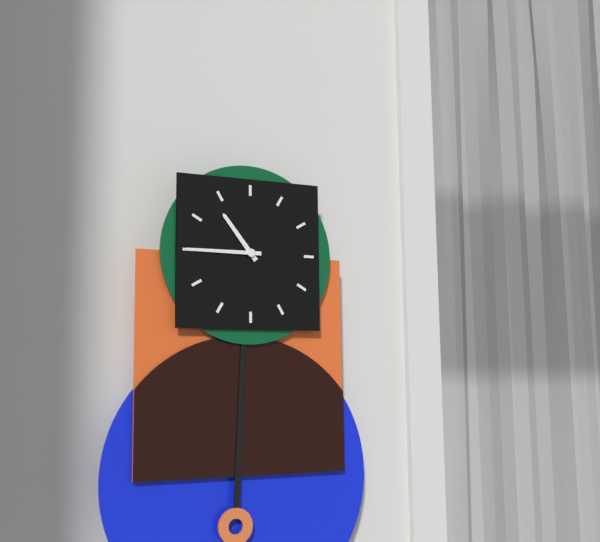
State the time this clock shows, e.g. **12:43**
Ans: **10:45**
